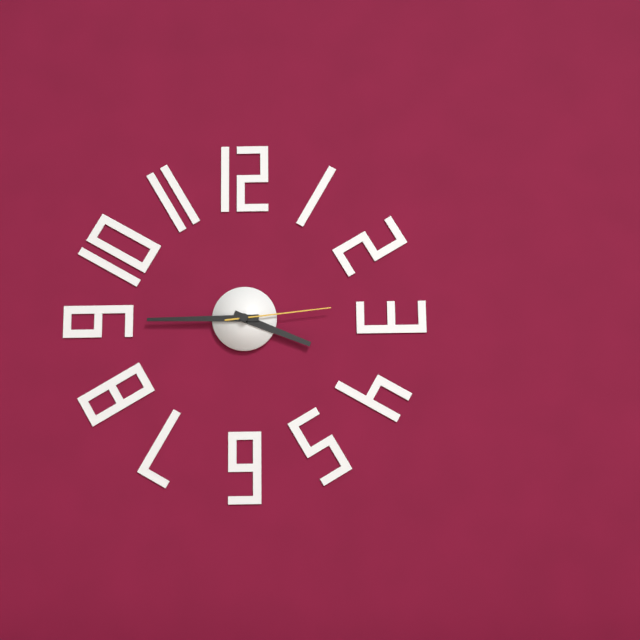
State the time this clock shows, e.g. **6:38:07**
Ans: **3:45:14**
